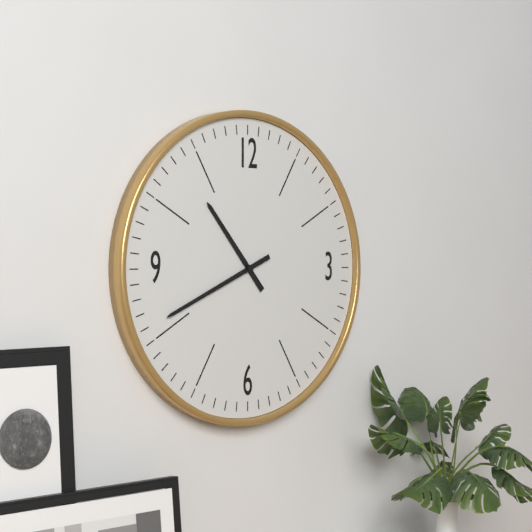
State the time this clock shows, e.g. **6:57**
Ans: **10:41**
